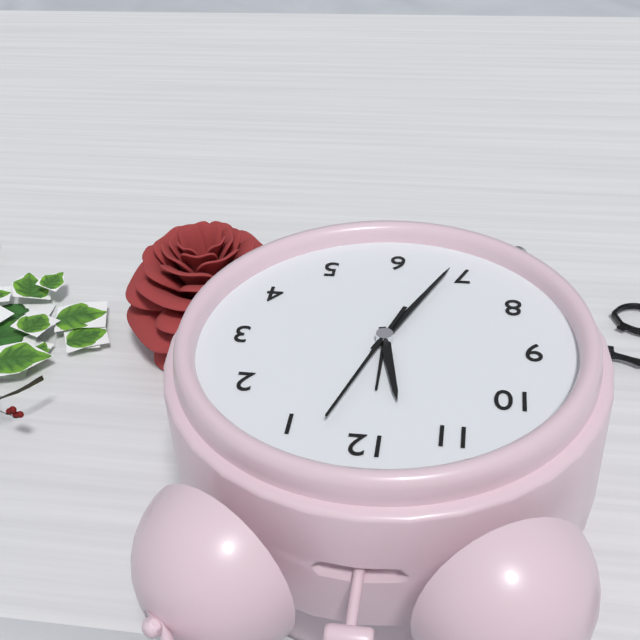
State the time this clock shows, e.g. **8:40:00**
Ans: **11:34:03**
